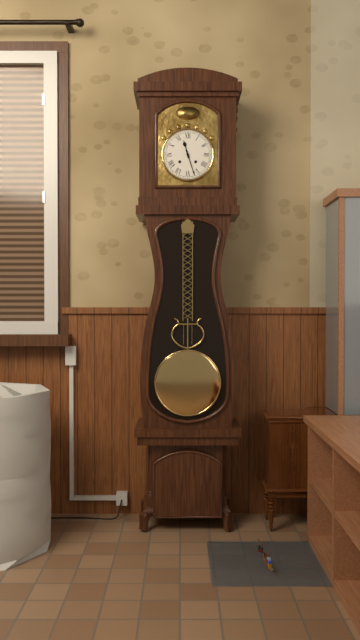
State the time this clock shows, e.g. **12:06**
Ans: **11:27**
